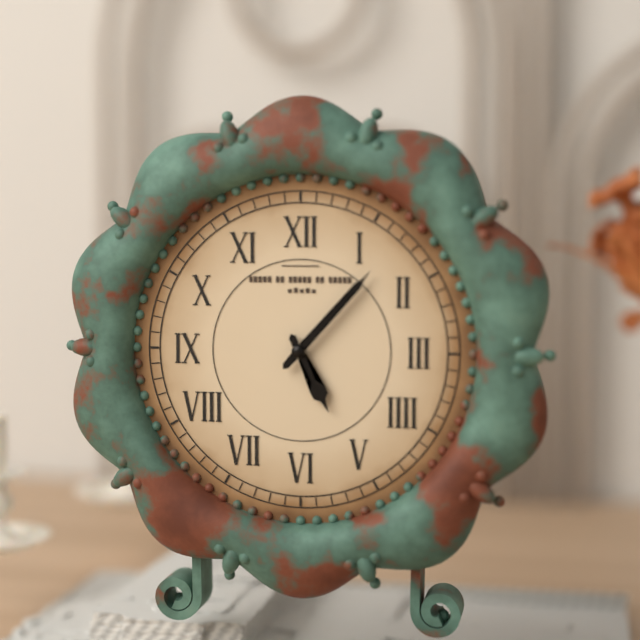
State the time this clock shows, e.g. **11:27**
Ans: **5:07**
